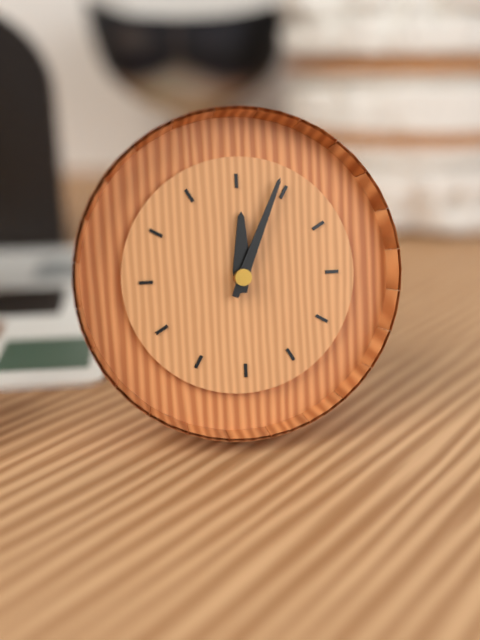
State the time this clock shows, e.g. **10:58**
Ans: **12:04**
